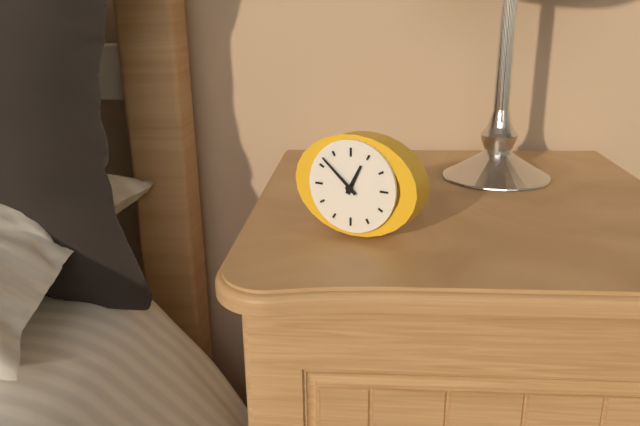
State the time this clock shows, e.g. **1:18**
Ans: **12:52**
